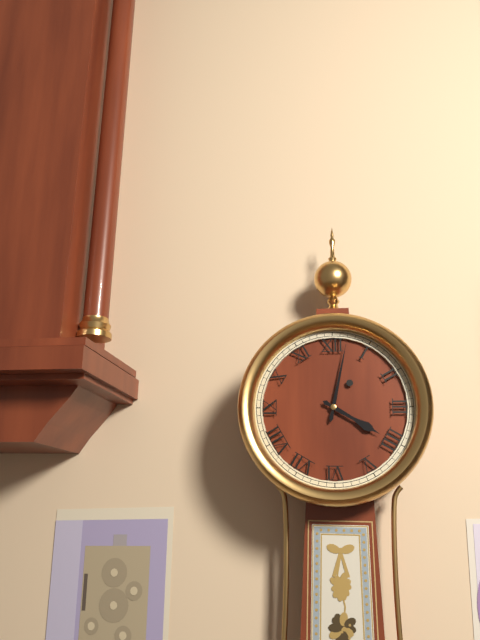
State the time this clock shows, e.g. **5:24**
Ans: **4:02**
